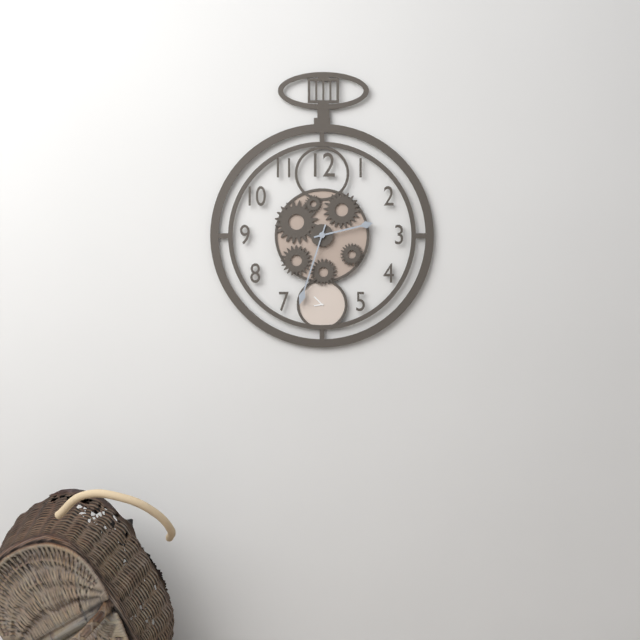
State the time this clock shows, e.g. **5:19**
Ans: **2:33**
